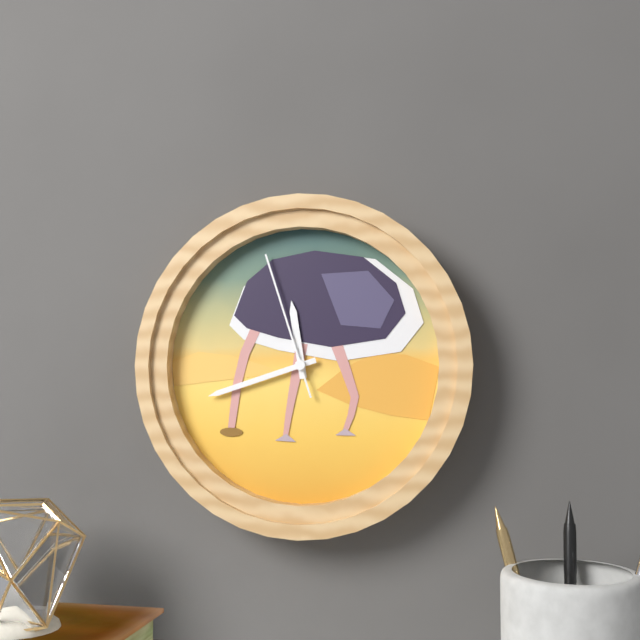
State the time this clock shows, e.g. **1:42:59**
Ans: **11:42:57**
